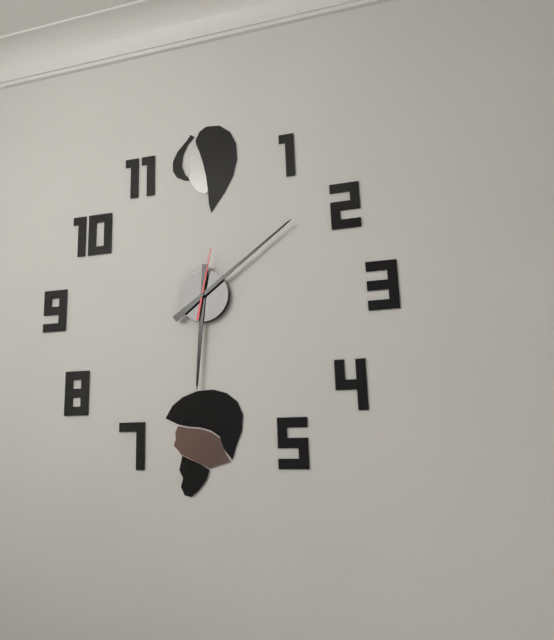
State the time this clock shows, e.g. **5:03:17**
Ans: **6:09:02**
